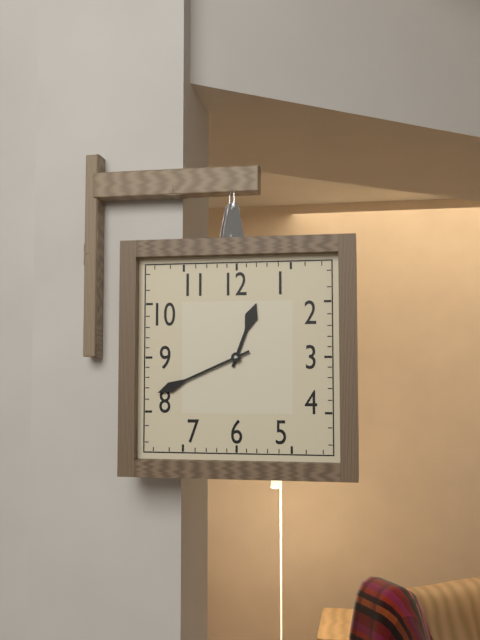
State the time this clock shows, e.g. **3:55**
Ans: **12:41**
